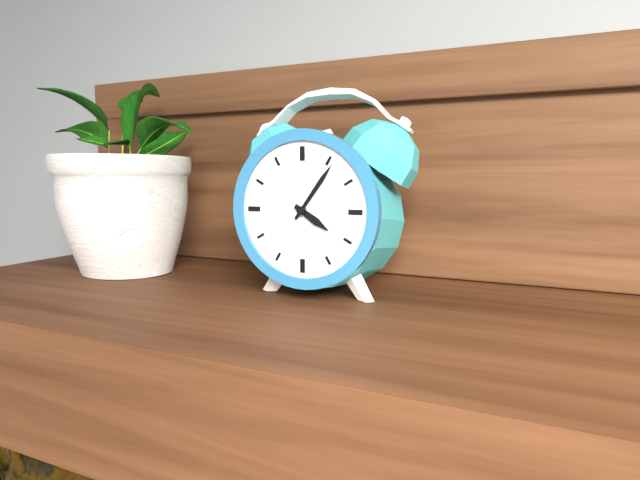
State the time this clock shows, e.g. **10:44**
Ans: **4:06**
